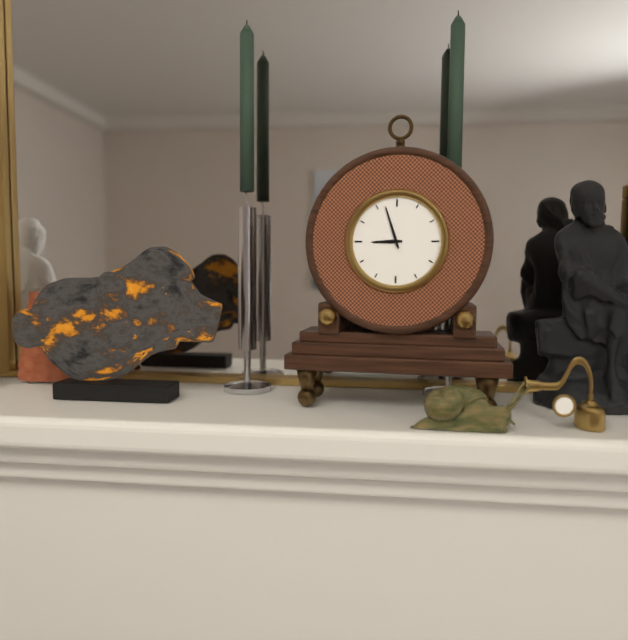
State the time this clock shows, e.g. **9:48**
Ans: **8:57**
